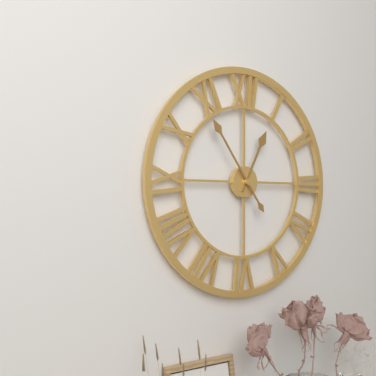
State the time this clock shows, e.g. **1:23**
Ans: **12:54**
